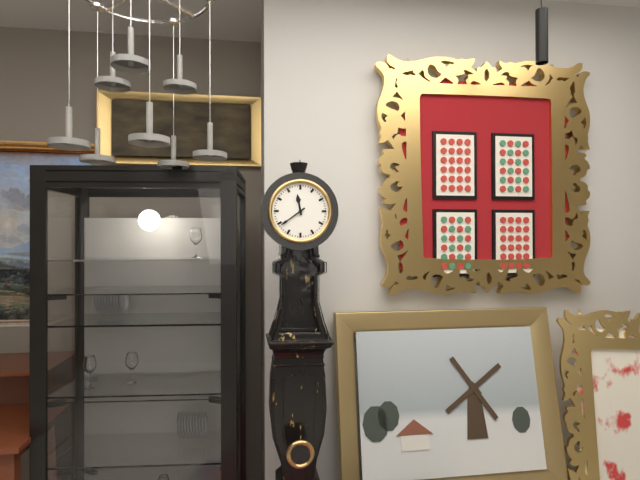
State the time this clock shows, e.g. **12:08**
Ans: **11:39**
